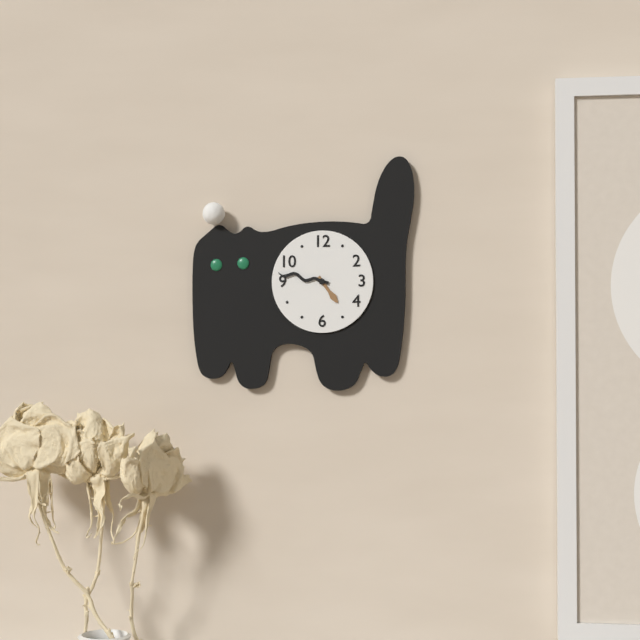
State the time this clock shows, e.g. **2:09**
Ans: **4:47**
